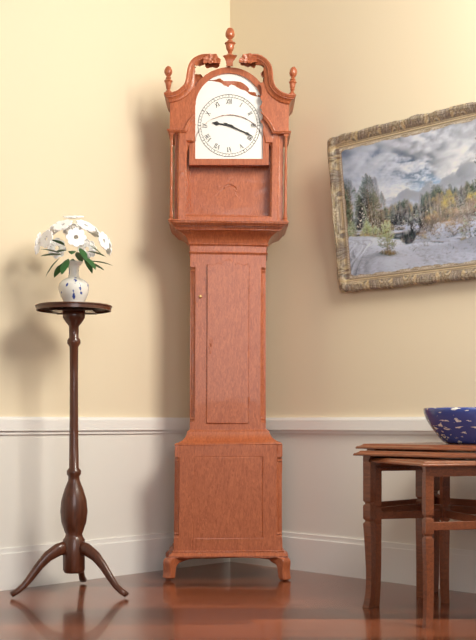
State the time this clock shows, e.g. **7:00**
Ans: **9:19**
